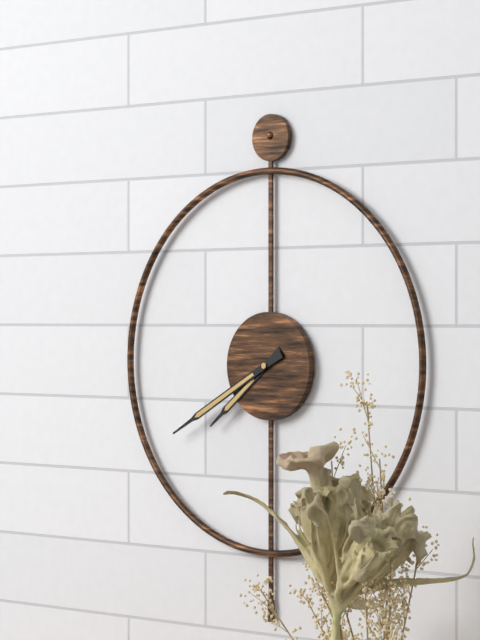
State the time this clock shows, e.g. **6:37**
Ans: **7:40**
